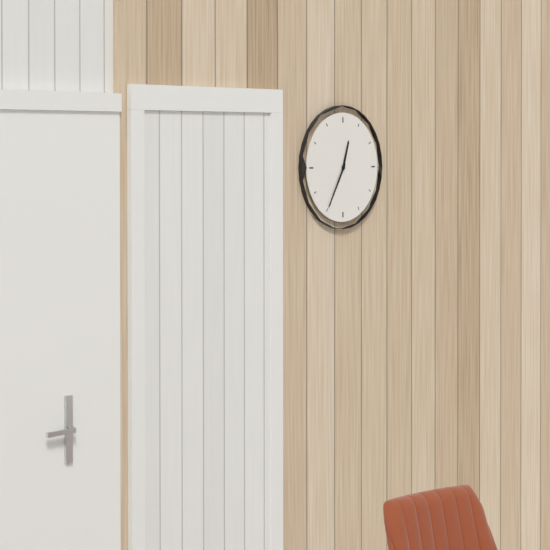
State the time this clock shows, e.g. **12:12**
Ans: **12:35**
